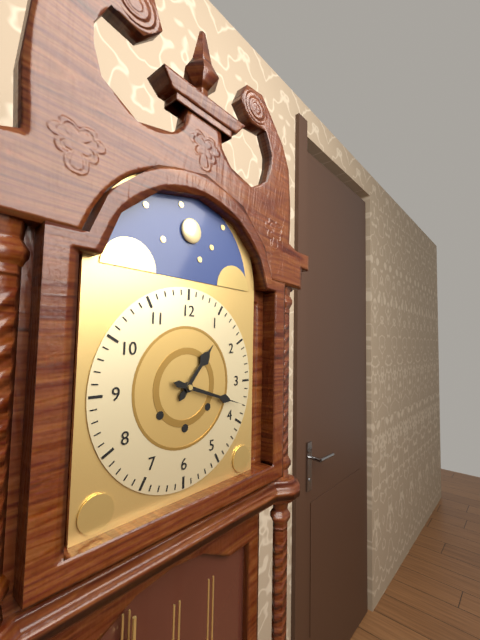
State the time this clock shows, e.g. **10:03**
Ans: **1:18**
